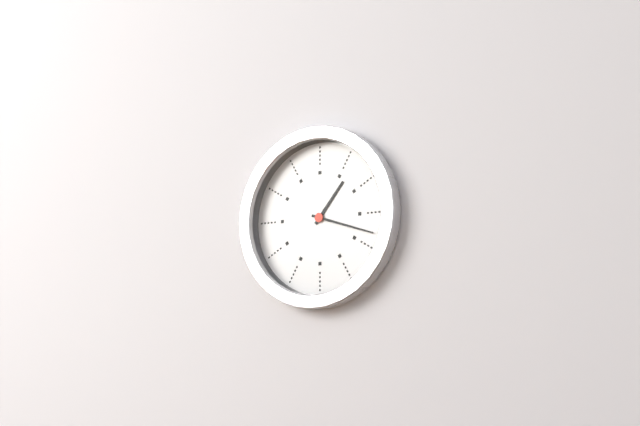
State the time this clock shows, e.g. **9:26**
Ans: **1:18**
